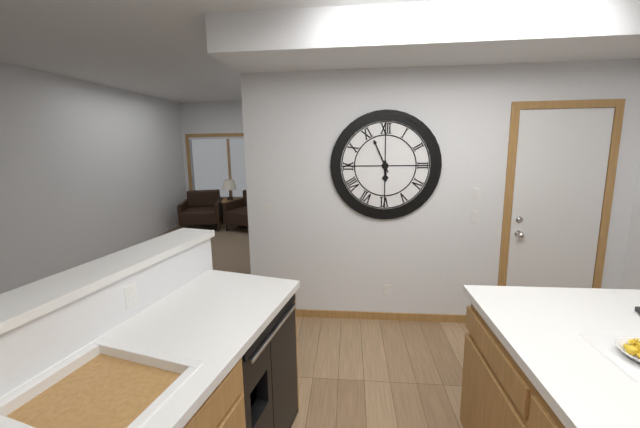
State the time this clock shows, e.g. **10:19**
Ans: **5:56**
